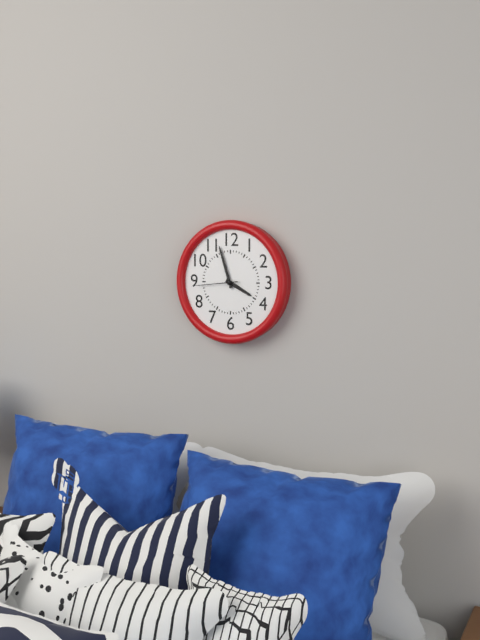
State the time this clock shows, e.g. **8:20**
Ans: **3:57**
